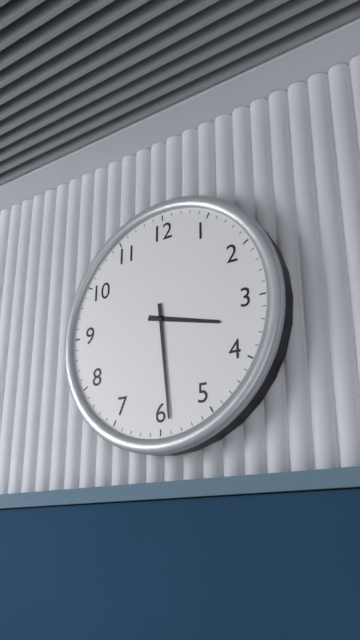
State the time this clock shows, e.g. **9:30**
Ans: **3:29**
